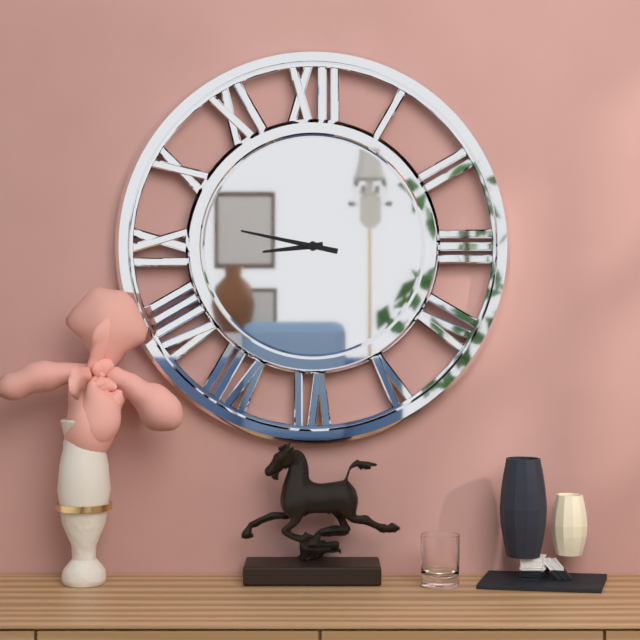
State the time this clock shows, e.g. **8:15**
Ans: **8:47**
